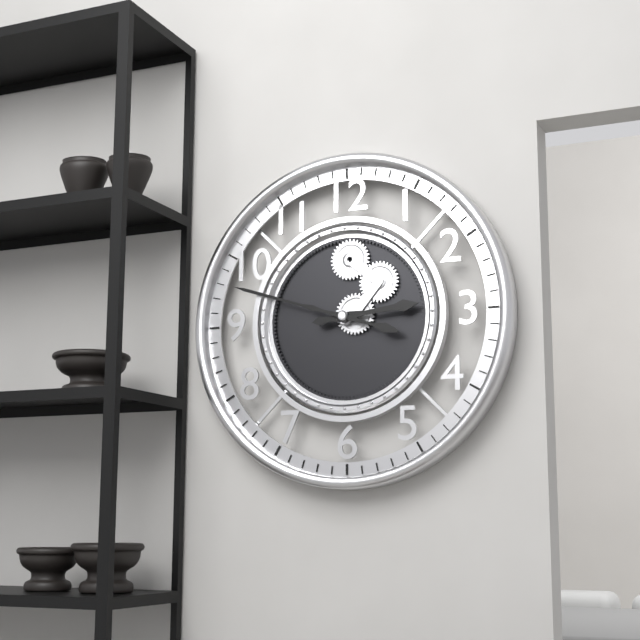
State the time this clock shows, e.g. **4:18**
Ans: **2:48**
